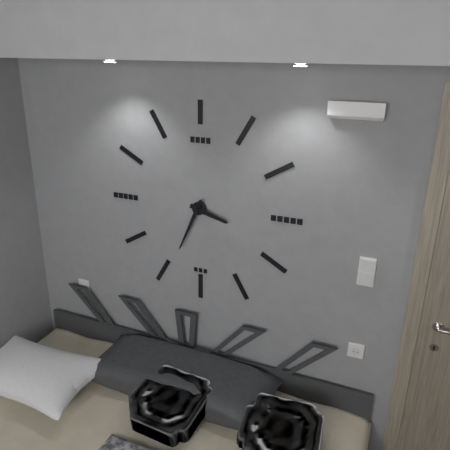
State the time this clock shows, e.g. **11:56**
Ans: **3:34**
